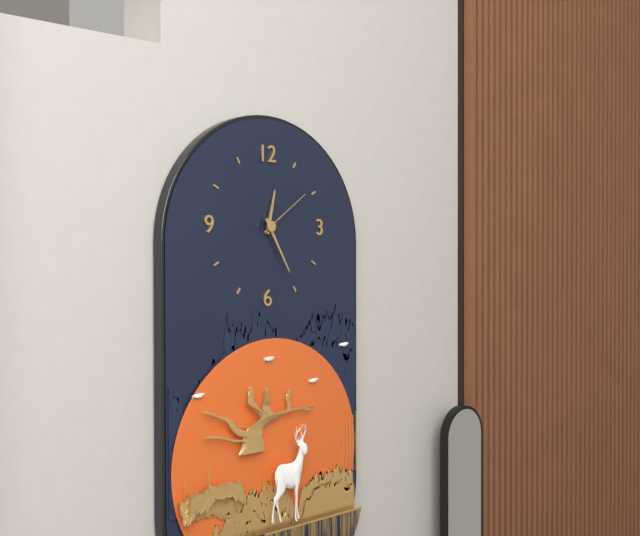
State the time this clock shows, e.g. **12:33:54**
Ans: **12:25:09**
